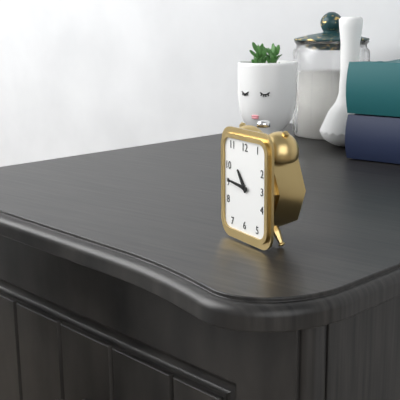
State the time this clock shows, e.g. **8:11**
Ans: **10:46**
